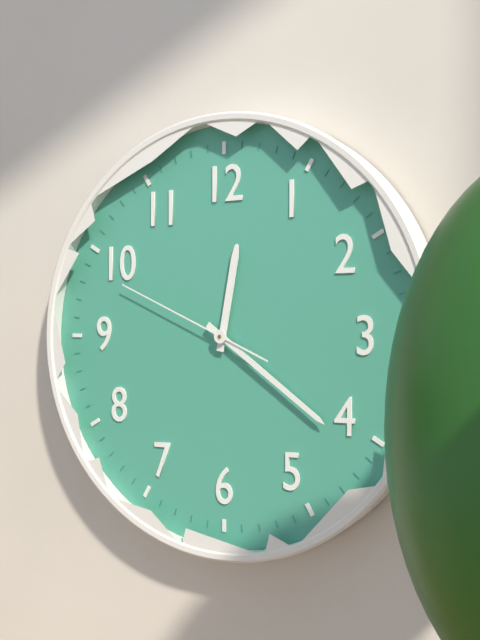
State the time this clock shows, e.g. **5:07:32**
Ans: **12:21:49**
